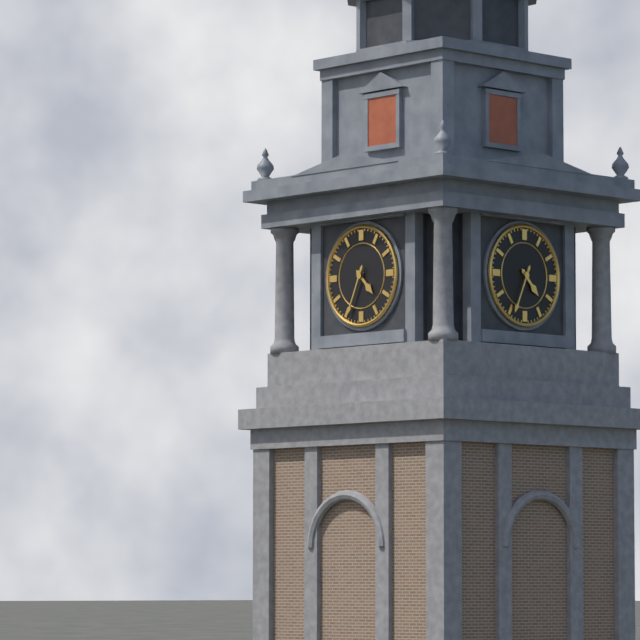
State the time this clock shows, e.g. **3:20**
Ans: **4:34**
